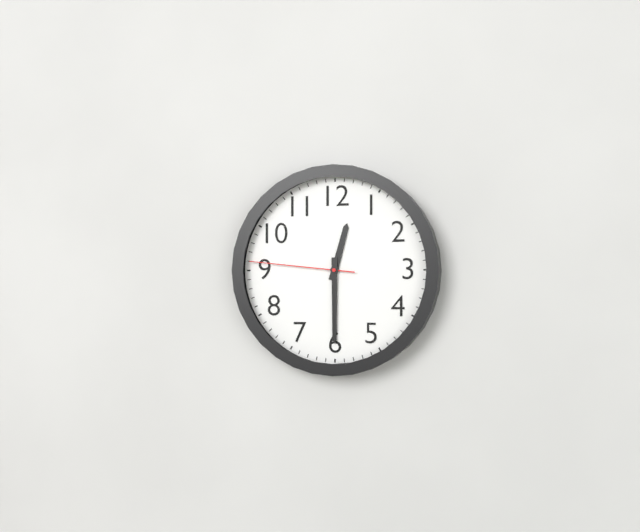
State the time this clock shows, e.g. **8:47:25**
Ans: **12:30:46**
